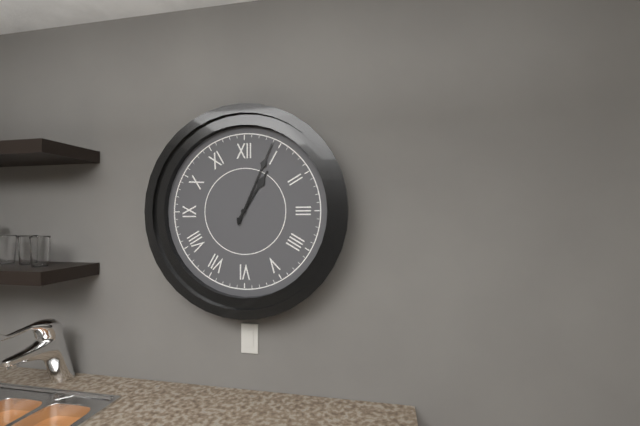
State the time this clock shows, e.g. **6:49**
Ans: **1:04**
